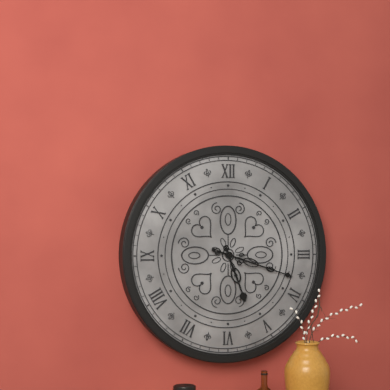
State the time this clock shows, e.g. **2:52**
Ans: **5:18**
